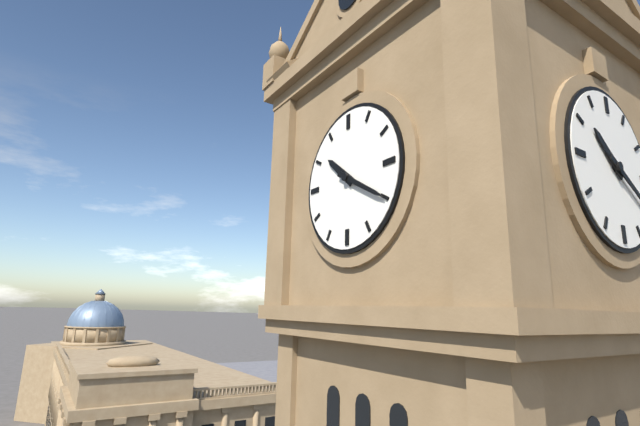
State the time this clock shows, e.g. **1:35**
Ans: **10:20**
